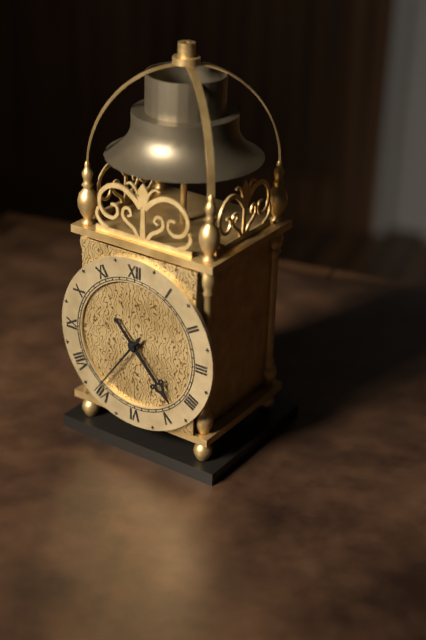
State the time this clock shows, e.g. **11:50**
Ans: **4:36**
